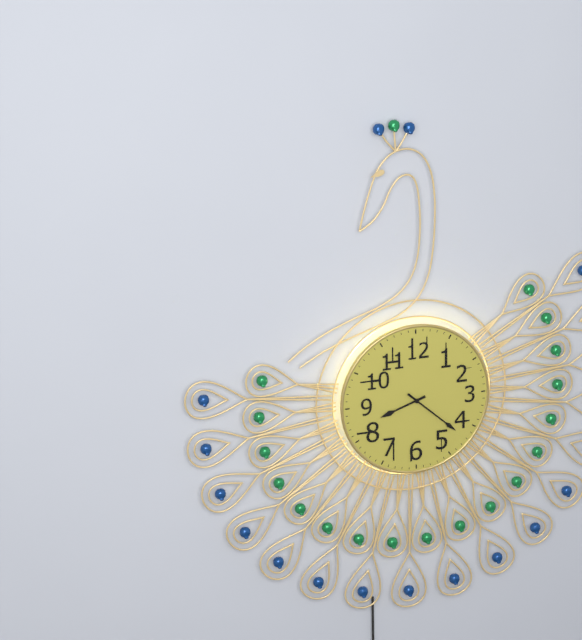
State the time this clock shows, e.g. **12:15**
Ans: **8:22**
